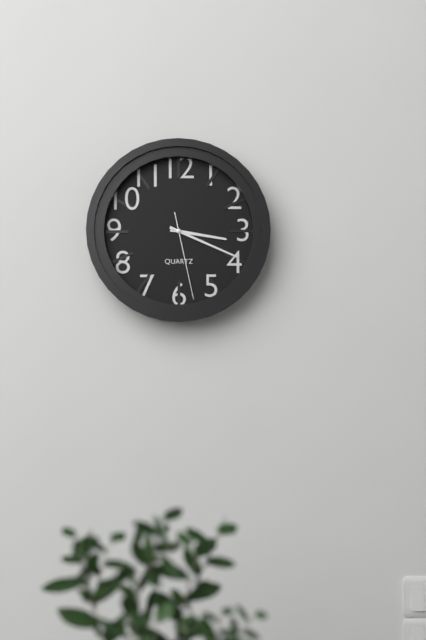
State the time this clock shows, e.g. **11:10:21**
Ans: **3:19:28**
